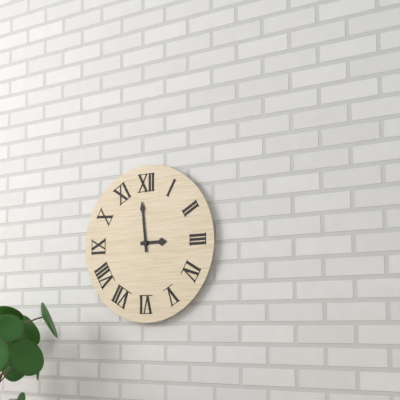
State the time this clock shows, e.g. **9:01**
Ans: **2:59**
